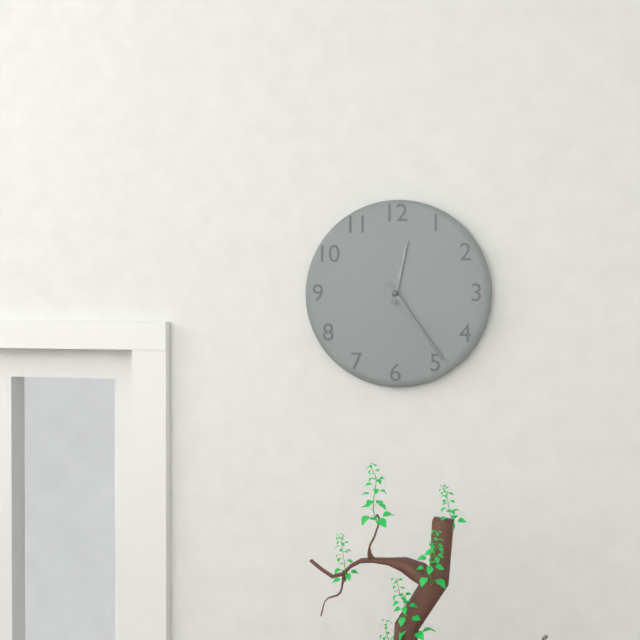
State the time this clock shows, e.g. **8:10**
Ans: **12:24**
